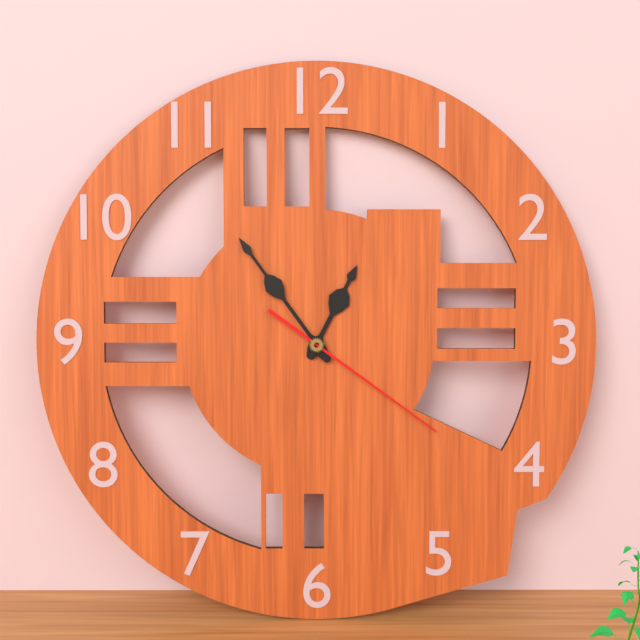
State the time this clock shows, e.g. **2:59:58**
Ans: **12:54:21**
